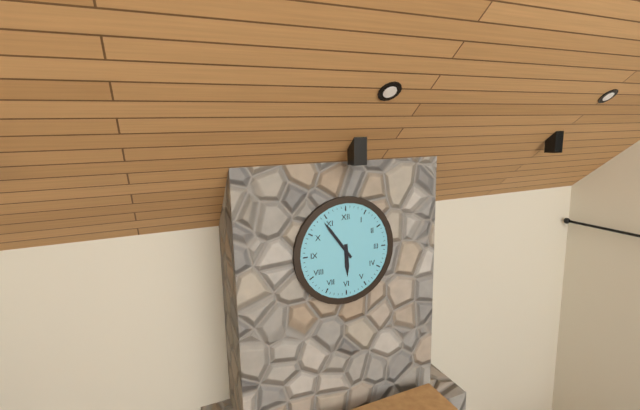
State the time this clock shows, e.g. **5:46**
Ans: **5:54**
